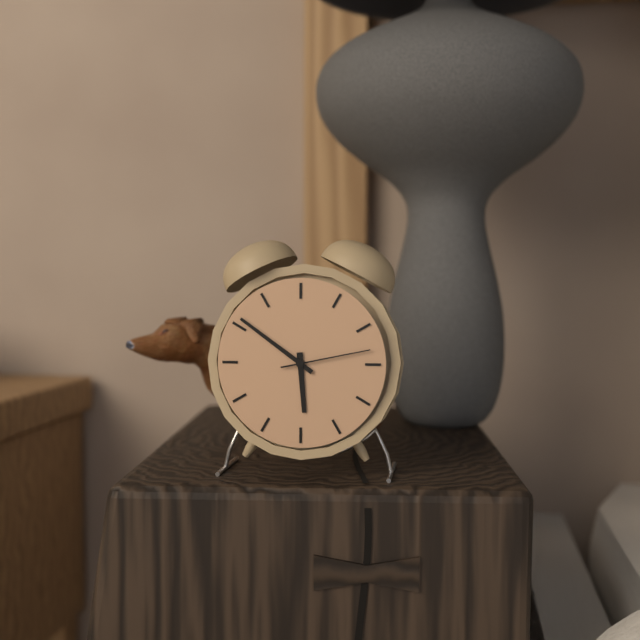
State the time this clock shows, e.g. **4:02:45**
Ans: **5:51:13**
